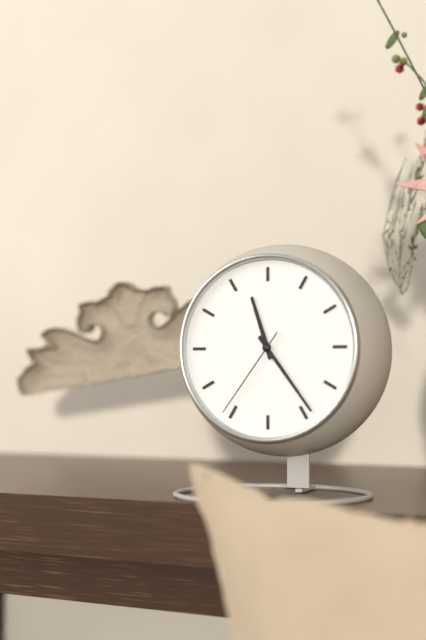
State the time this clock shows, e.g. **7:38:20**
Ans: **11:24:36**
